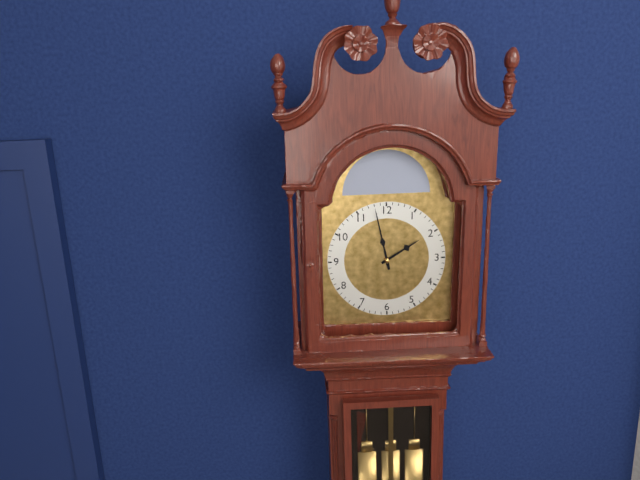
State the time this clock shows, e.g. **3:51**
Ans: **1:58**
